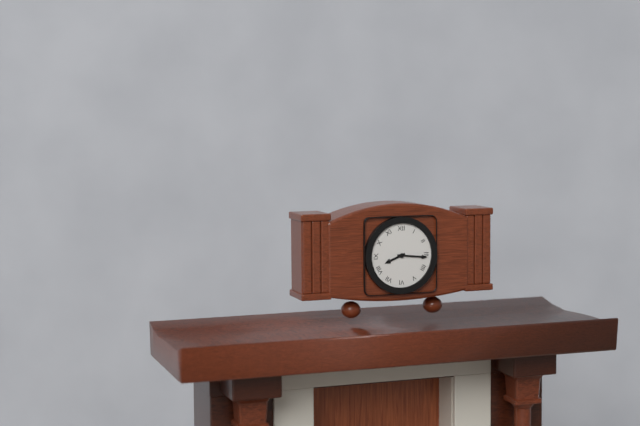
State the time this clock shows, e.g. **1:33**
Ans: **8:16**
